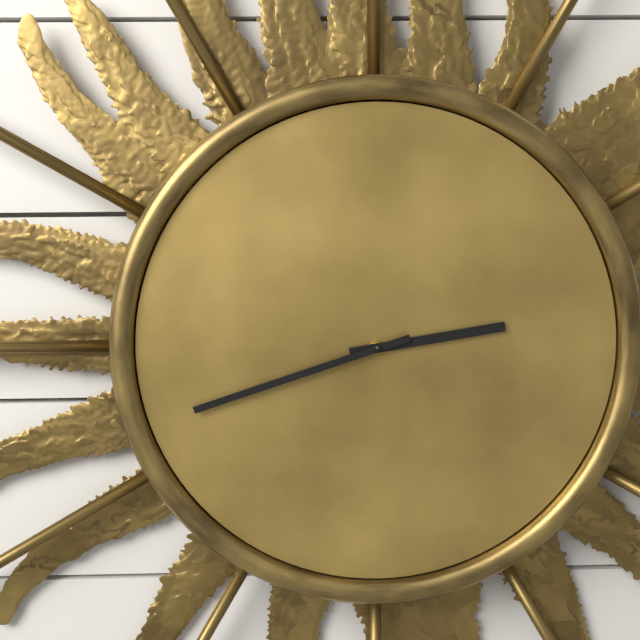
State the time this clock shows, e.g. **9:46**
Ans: **2:42**
